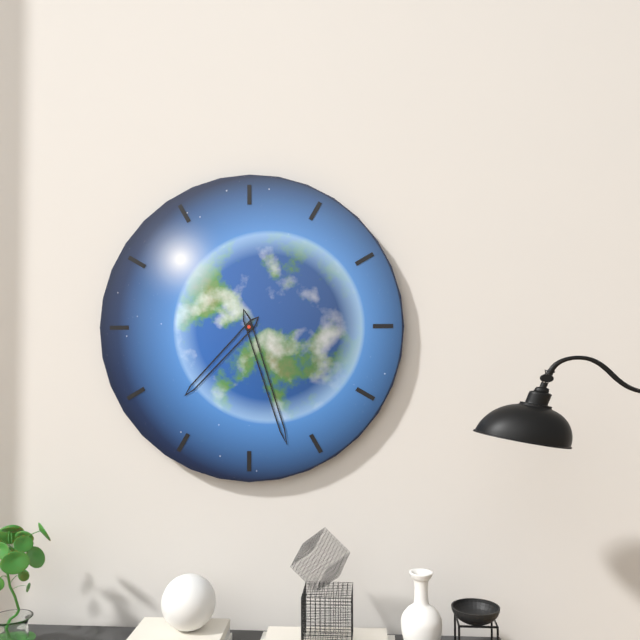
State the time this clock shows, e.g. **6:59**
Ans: **7:27**
